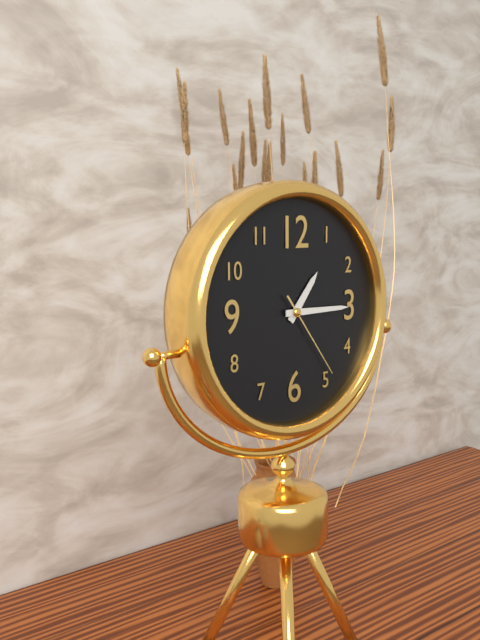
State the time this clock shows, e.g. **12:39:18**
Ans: **1:15:24**
